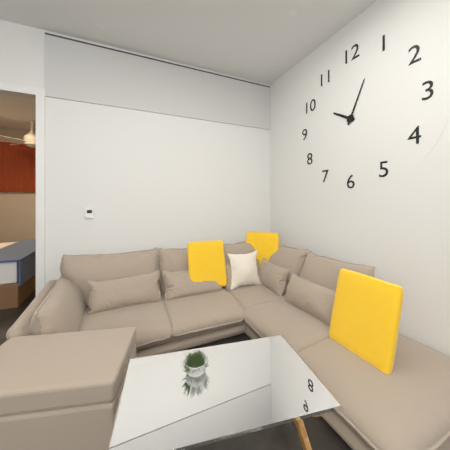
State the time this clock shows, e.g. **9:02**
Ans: **10:04**
